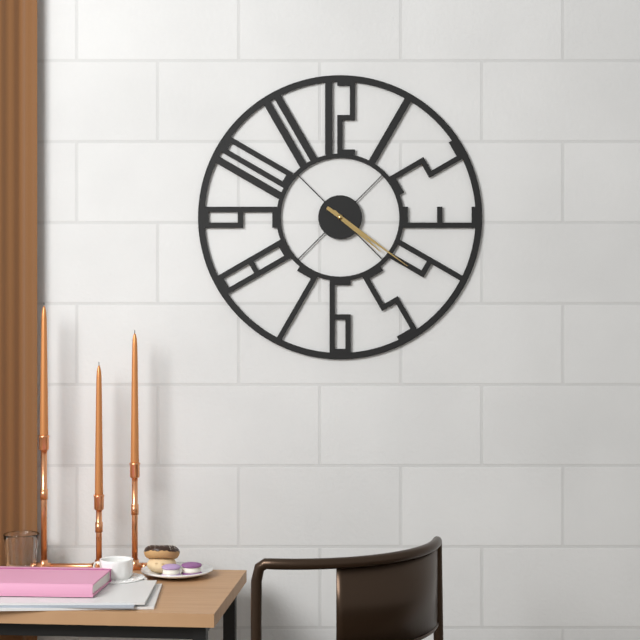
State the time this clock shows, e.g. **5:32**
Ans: **4:21**
